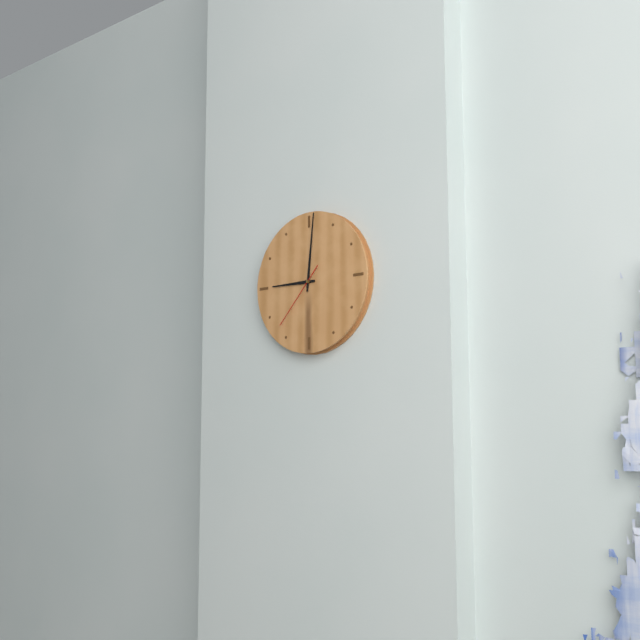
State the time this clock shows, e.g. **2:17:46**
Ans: **9:01:37**
